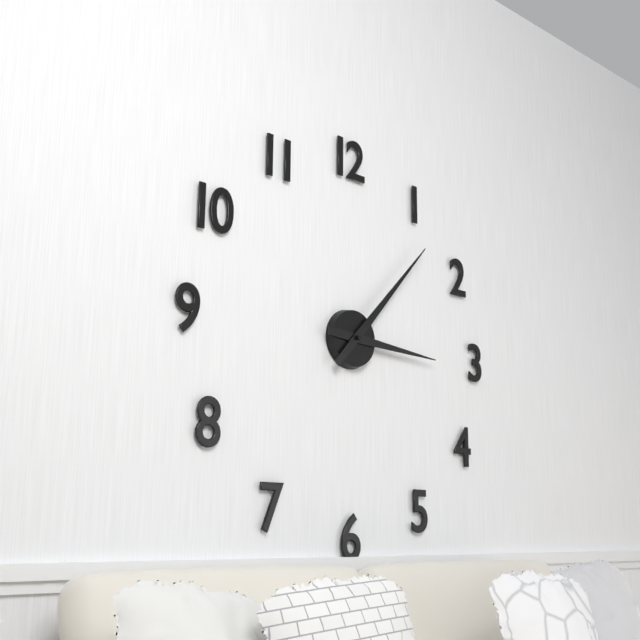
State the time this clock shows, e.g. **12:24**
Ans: **3:07**
